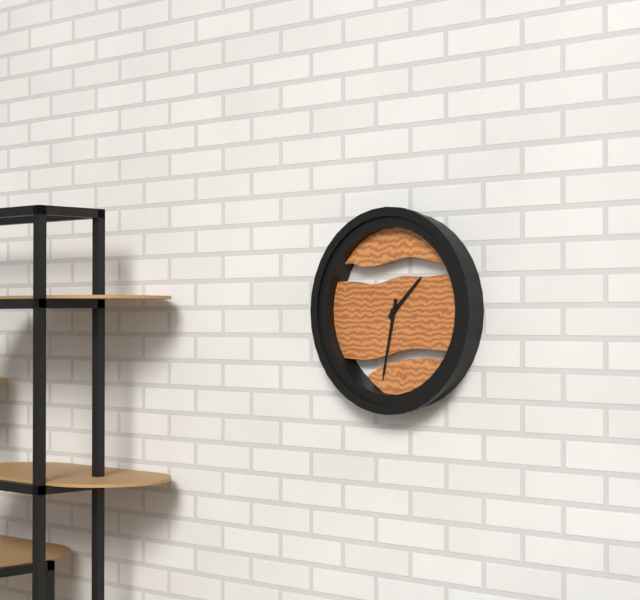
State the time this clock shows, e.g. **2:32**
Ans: **1:32**
